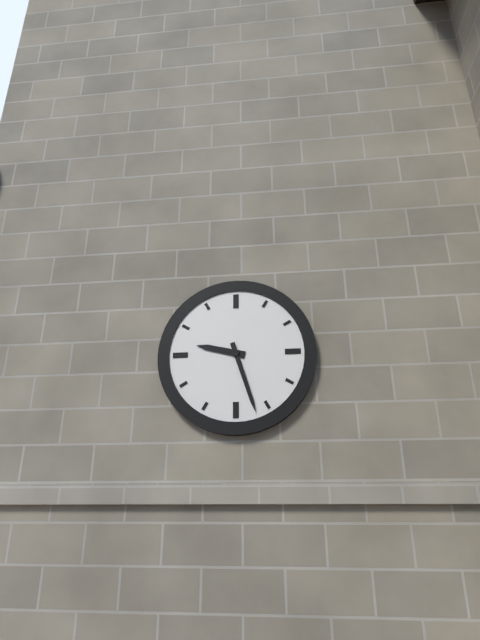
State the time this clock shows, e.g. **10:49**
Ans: **9:27**
